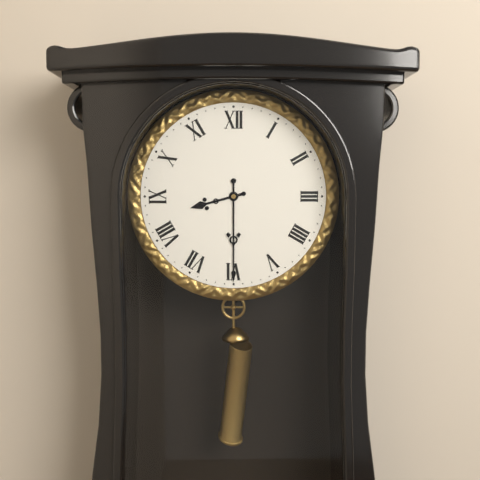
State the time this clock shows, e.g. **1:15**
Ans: **8:30**
